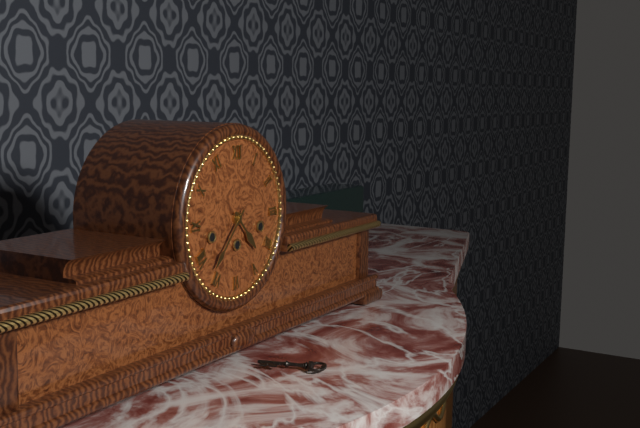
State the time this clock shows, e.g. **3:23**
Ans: **4:37**
